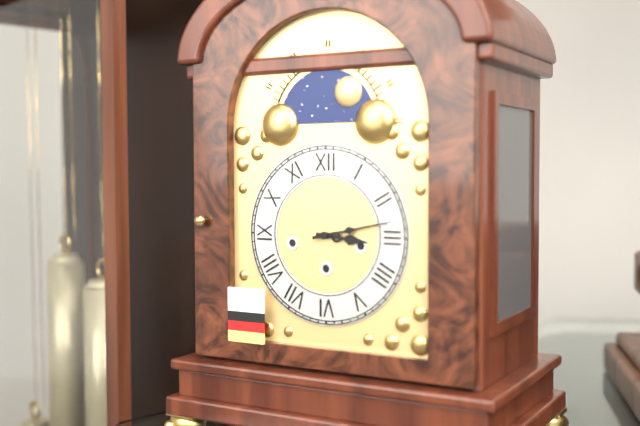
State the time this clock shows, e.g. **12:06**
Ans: **3:13**
